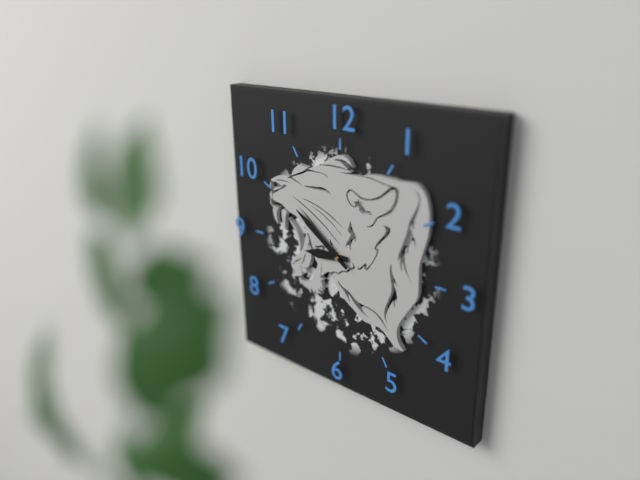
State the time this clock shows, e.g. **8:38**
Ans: **8:51**
